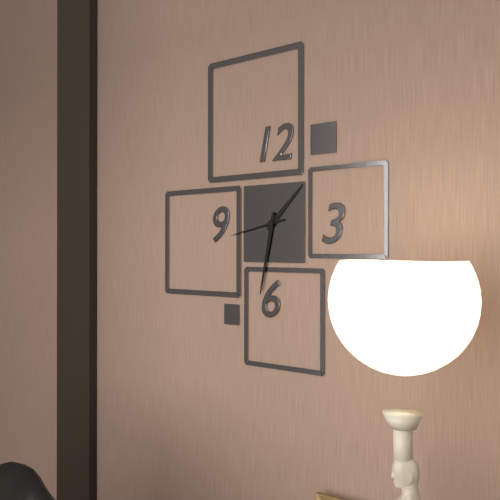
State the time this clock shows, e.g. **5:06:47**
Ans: **1:32:43**
